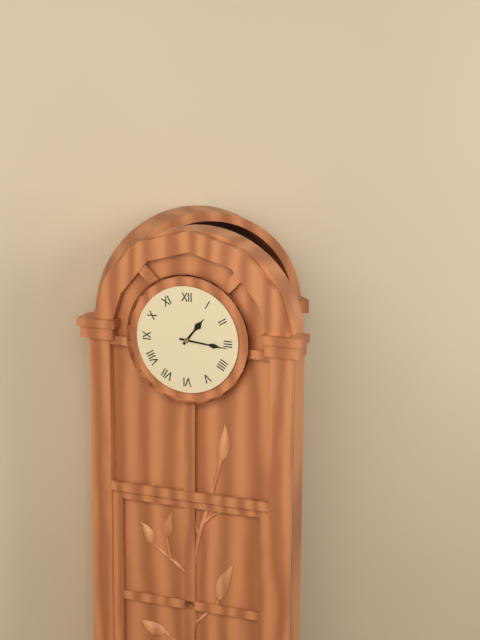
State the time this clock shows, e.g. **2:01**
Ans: **1:16**
